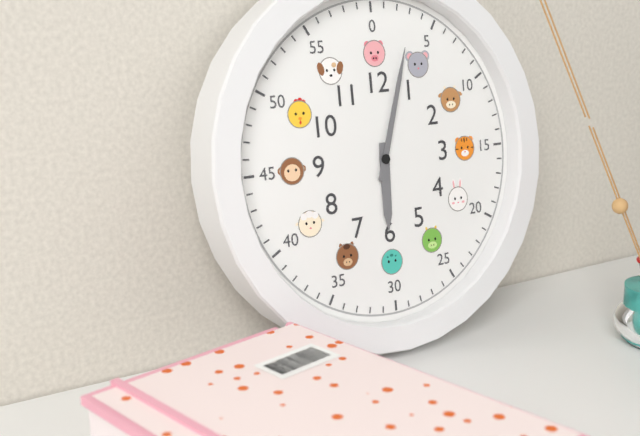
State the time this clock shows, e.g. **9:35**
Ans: **6:03**
